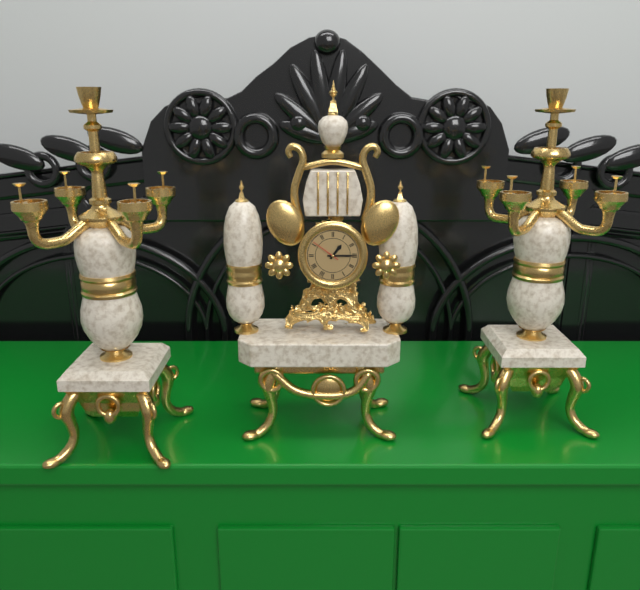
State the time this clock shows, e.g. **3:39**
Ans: **1:15**
